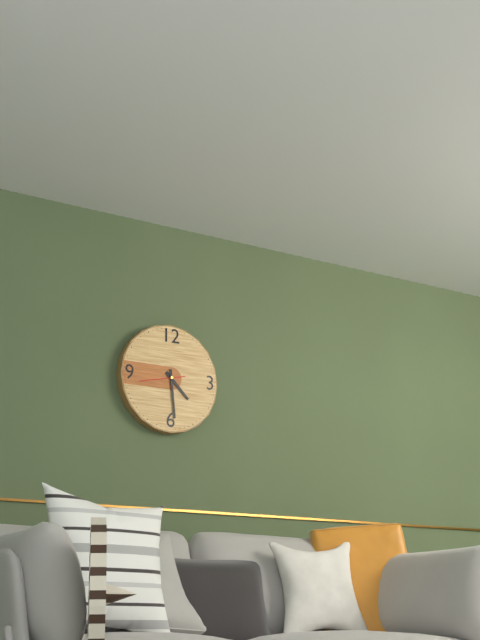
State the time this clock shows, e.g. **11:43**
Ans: **4:29**
